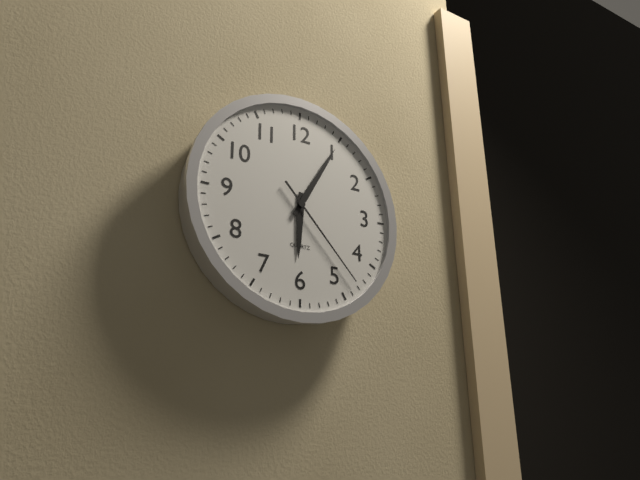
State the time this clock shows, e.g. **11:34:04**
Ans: **6:05:23**
